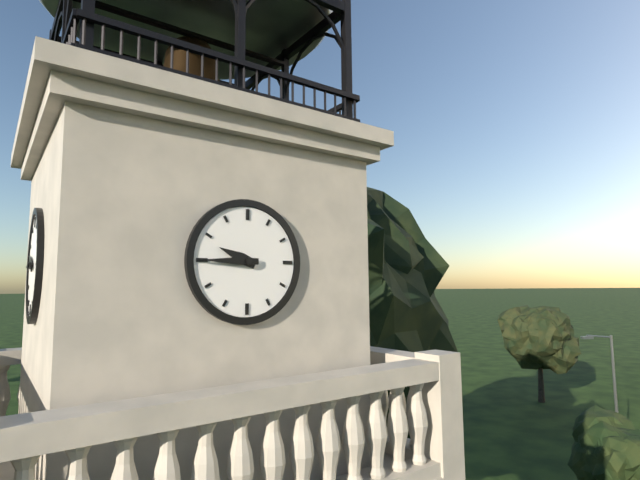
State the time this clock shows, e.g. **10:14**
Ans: **9:45**
